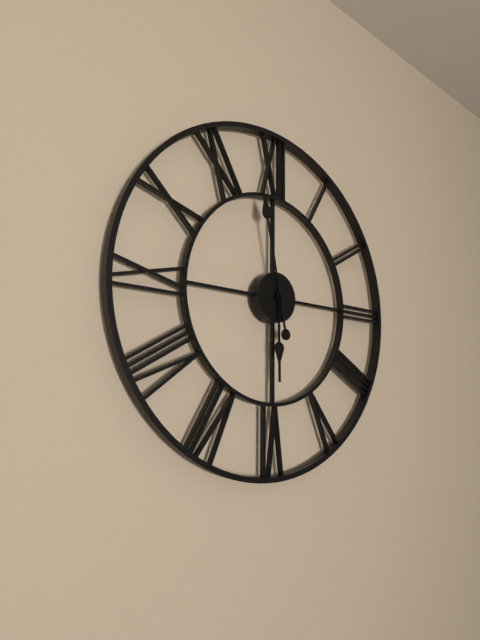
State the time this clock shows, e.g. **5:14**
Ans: **5:58**
